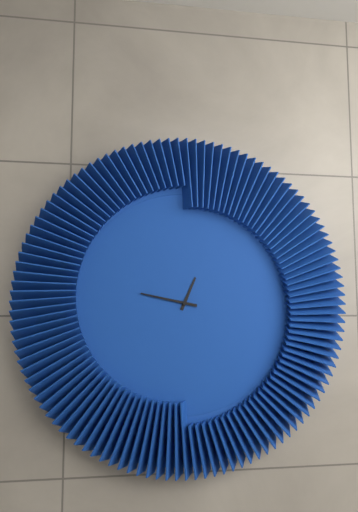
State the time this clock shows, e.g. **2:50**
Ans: **12:47**
